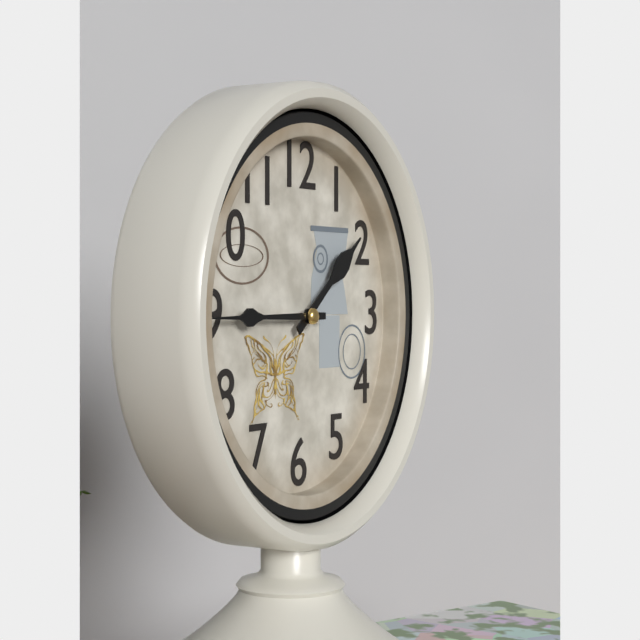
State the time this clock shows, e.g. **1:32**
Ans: **1:45**
